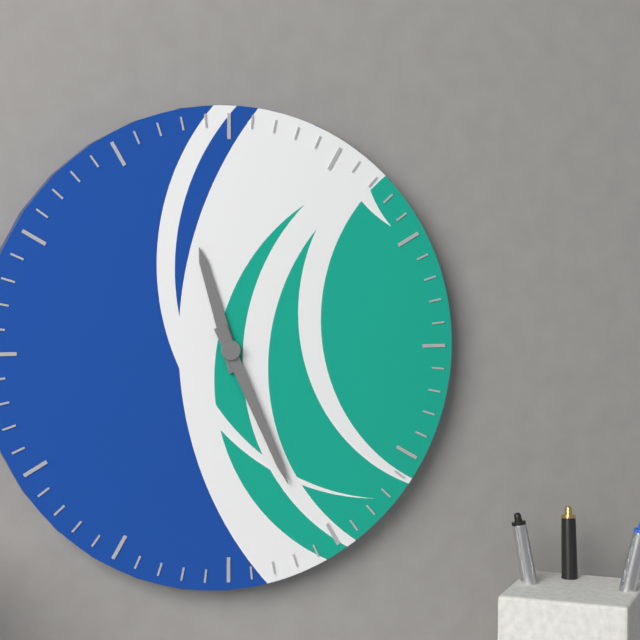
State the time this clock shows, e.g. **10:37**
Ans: **11:26**
